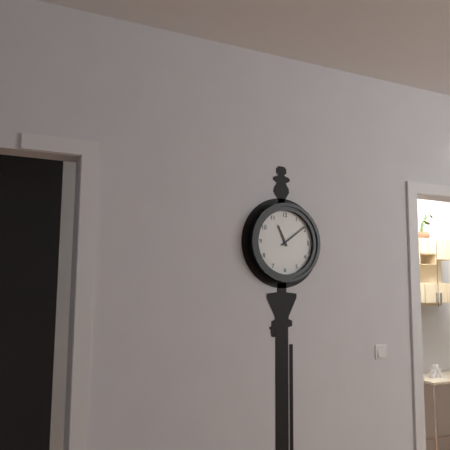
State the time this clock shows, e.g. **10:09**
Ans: **11:09**
